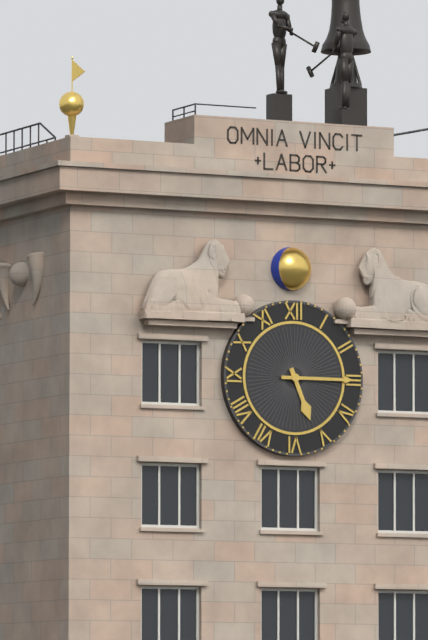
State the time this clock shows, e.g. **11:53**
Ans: **5:15**
